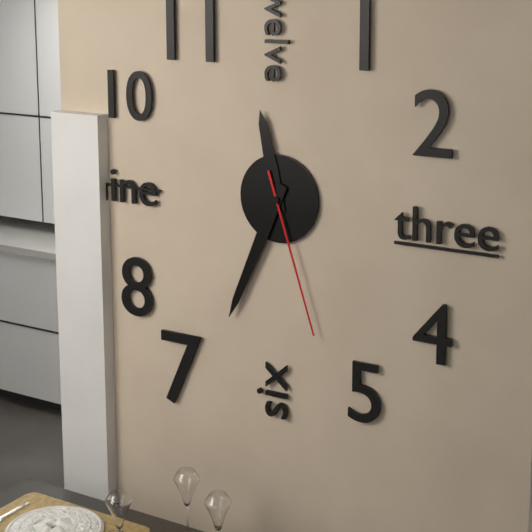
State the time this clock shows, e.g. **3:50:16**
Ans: **11:34:27**
